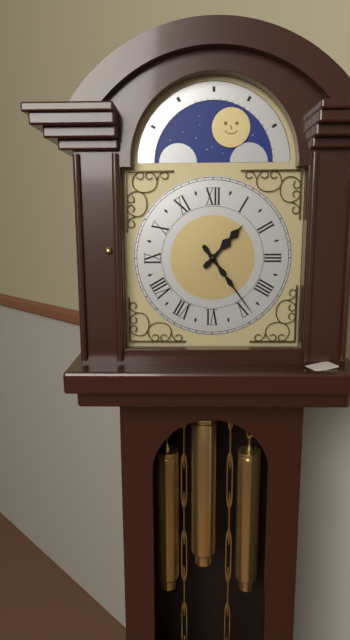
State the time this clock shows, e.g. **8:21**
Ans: **1:24**
